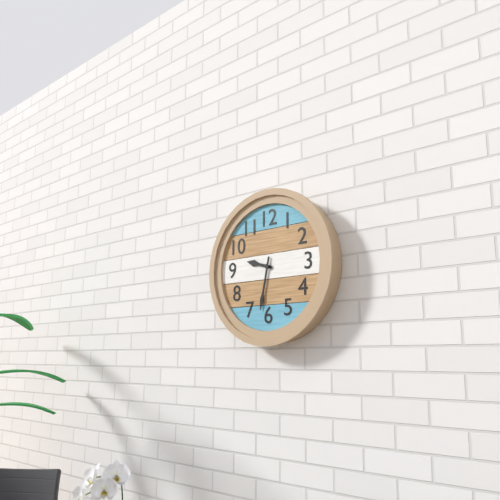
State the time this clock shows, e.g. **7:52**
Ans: **9:32**
